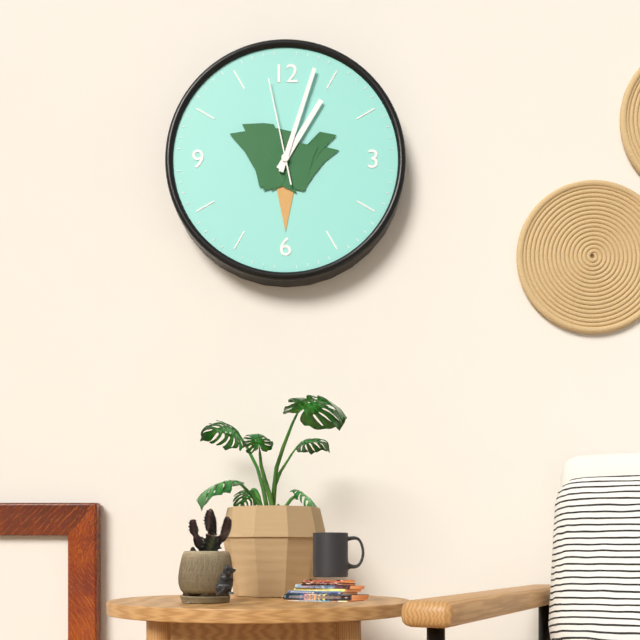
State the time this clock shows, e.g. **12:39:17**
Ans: **1:03:58**
